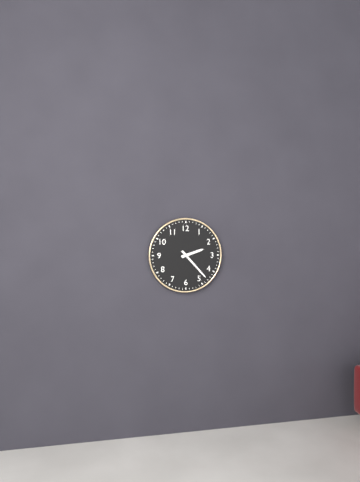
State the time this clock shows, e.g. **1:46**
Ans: **2:23**
